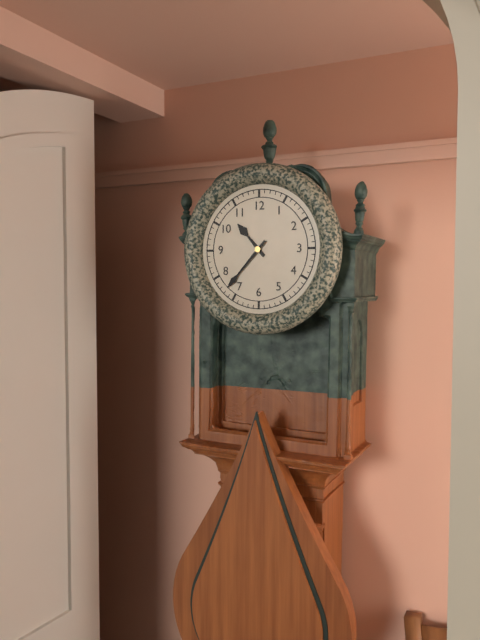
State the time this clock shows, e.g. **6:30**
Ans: **10:37**
